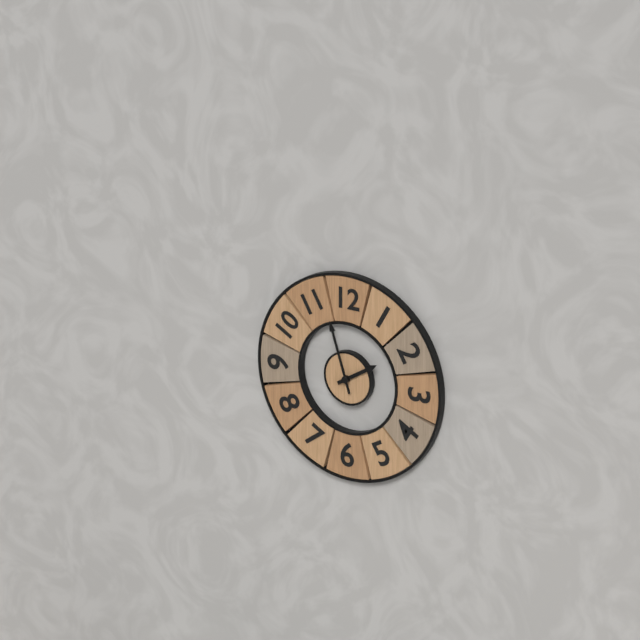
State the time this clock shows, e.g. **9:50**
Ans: **1:57**
